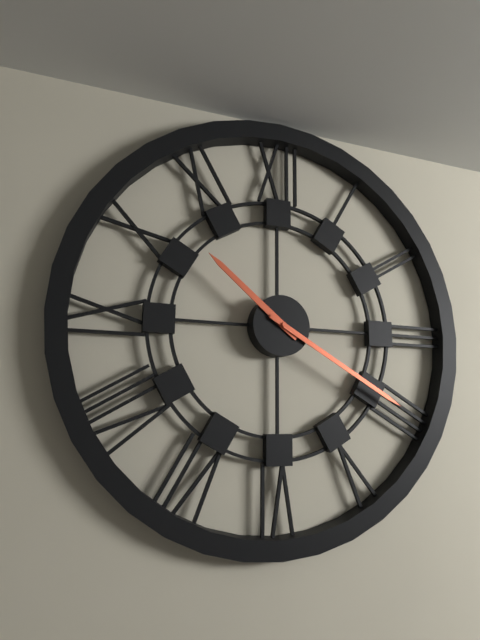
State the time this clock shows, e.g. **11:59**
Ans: **10:20**
